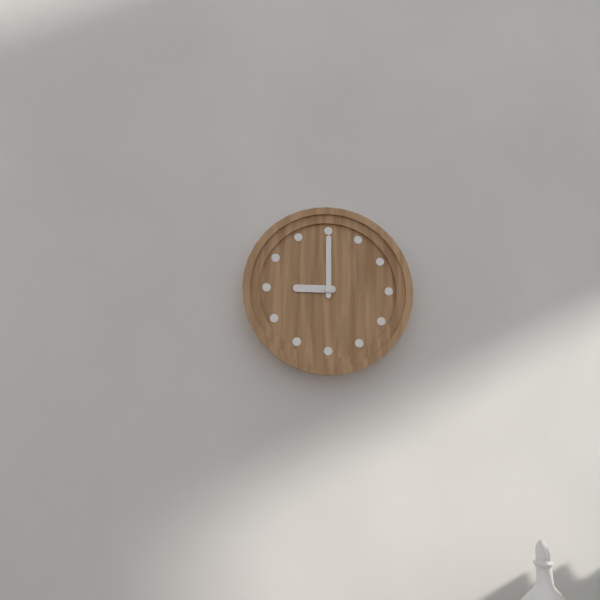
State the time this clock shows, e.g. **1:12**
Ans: **9:00**
